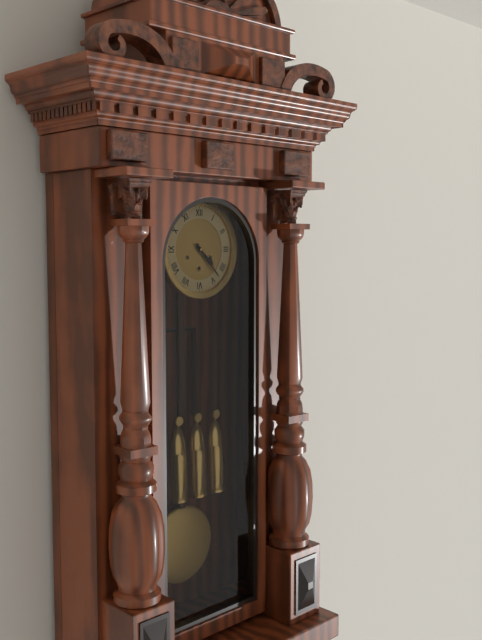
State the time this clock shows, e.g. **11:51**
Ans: **4:23**
